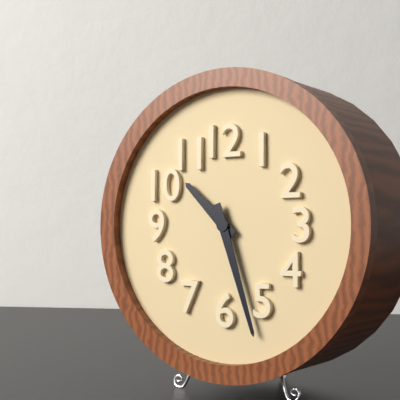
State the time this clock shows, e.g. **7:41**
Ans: **10:27**
